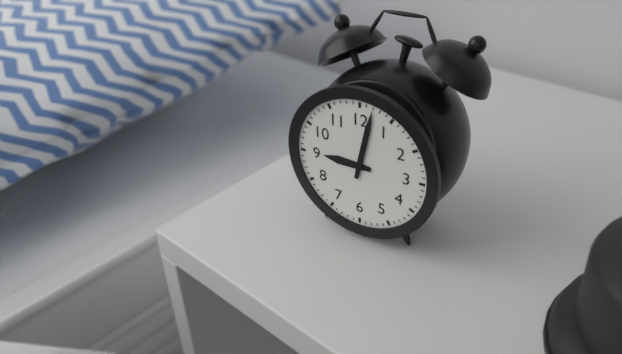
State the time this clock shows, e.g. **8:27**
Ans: **9:02**
